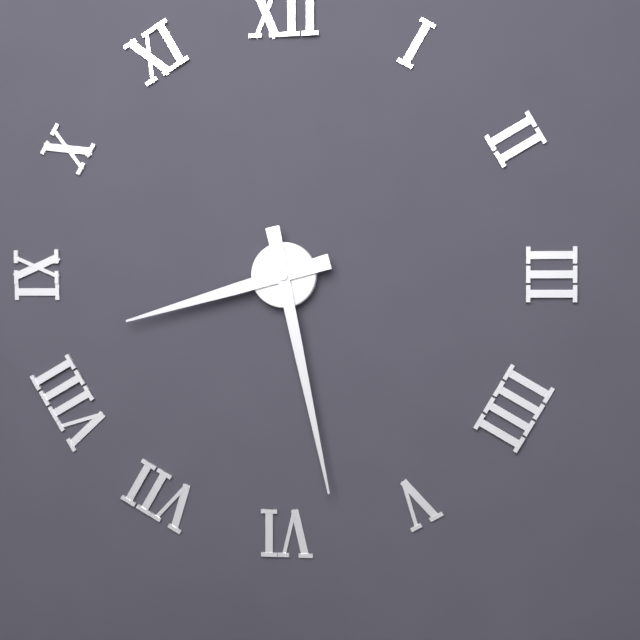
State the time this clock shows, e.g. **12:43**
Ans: **8:28**
